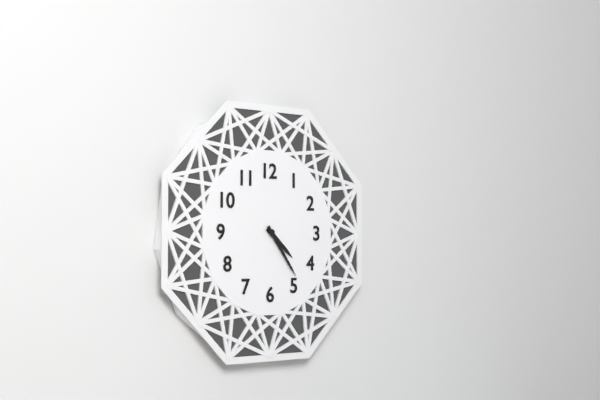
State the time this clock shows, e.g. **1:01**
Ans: **4:24**
